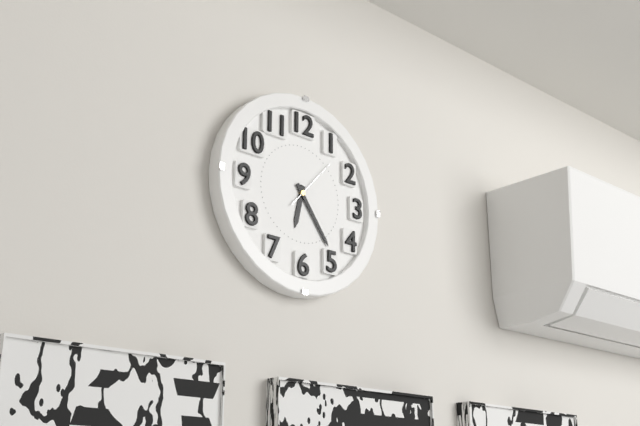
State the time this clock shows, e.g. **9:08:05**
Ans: **6:24:07**
